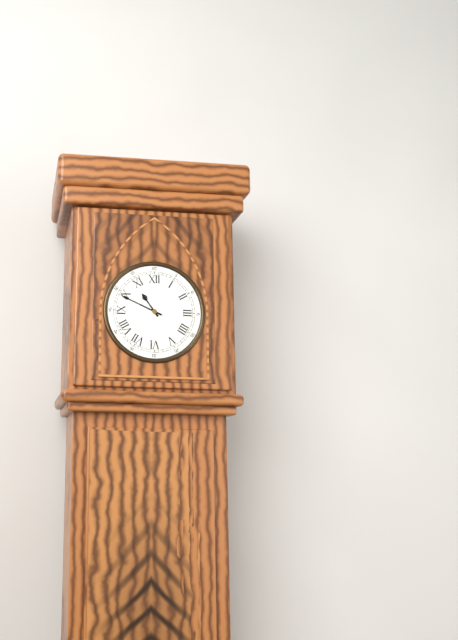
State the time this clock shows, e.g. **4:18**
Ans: **10:49**
